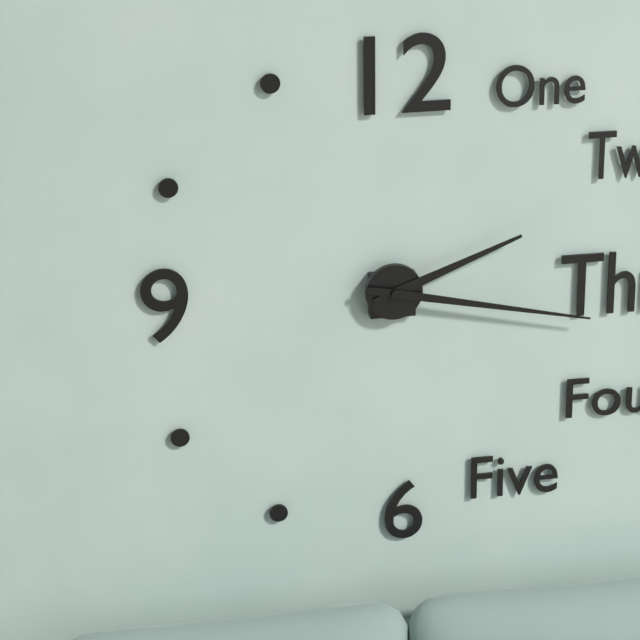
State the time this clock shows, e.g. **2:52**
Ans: **2:17**
